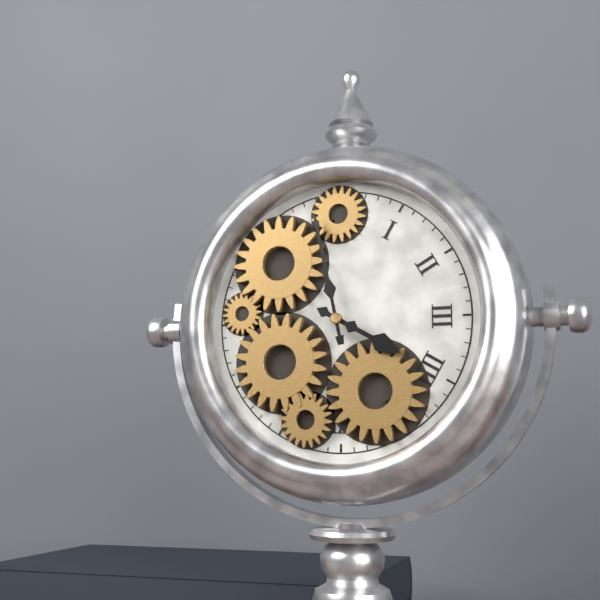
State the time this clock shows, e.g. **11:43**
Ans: **3:58**
